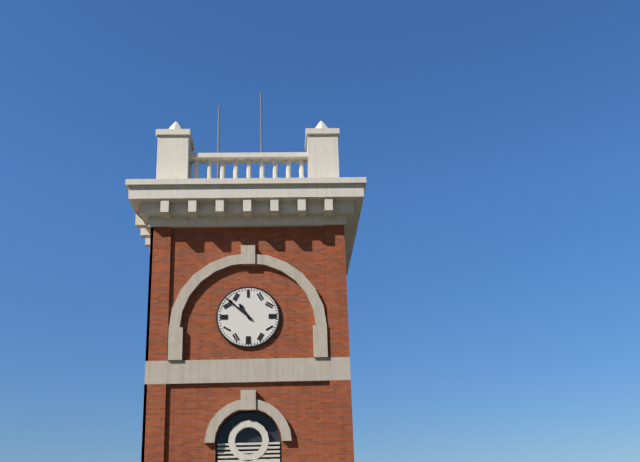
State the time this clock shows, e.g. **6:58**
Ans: **10:52**
